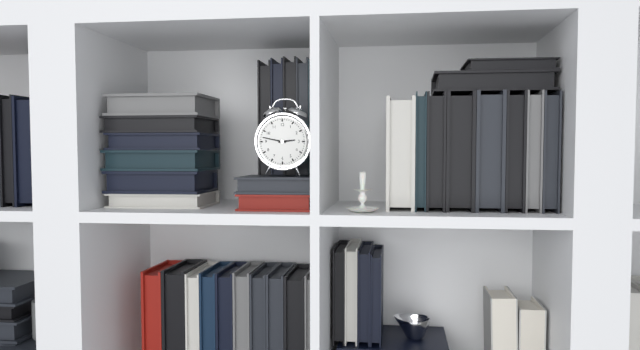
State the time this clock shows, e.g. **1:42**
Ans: **2:47**
